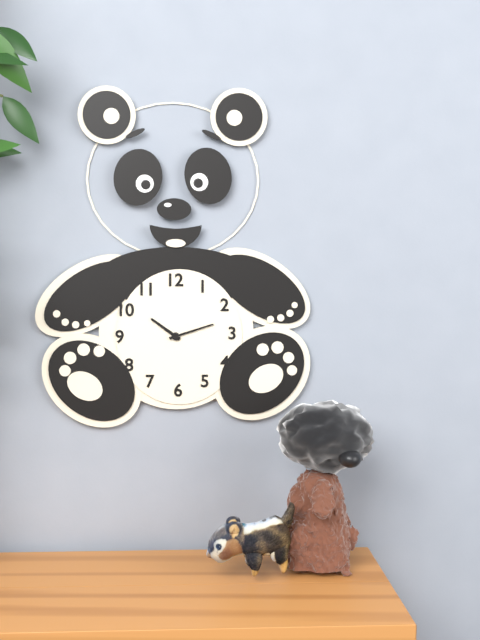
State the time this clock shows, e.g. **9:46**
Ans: **10:12**
